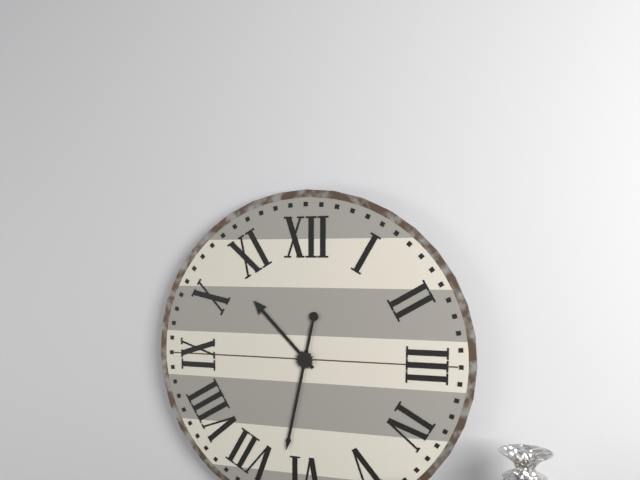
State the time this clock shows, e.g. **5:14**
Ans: **10:32**
